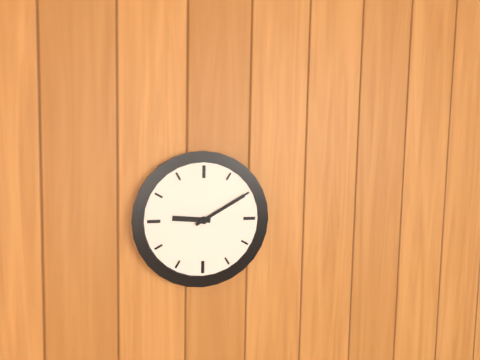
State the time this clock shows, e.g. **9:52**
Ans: **9:10**
